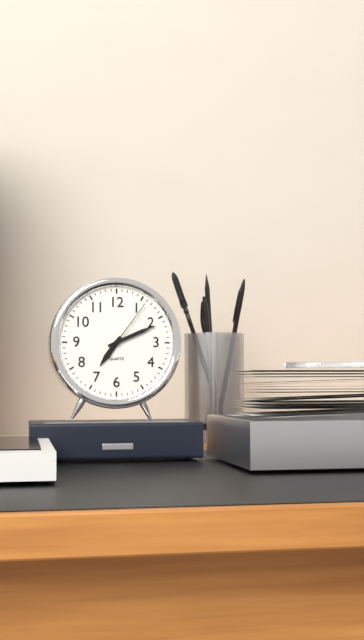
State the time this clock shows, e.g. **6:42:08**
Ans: **7:11:06**
